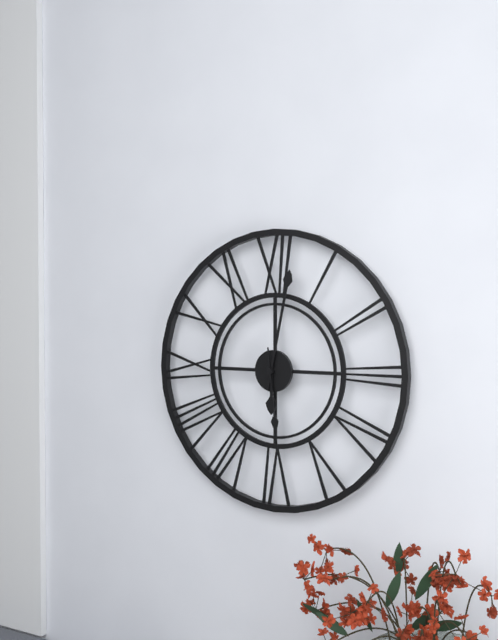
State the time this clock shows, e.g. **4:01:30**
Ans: **6:02:29**
